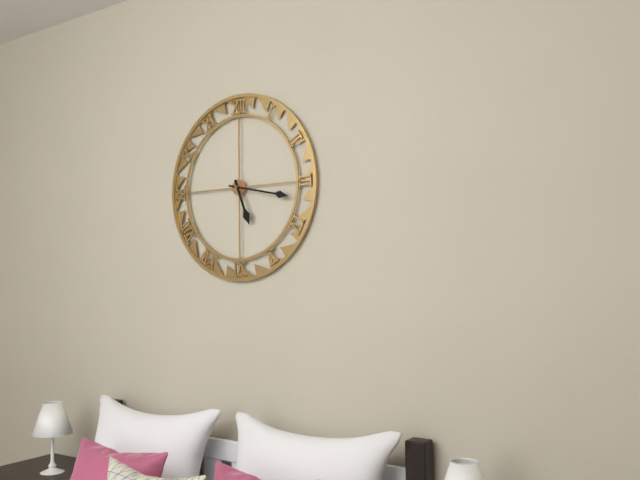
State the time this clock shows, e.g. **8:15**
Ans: **5:17**
